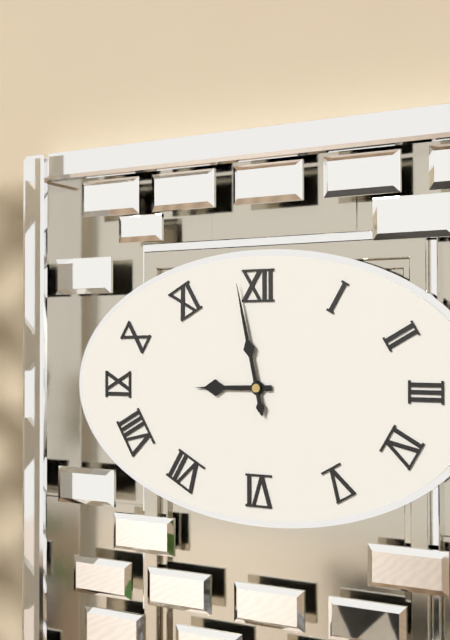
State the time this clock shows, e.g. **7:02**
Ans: **8:58**
